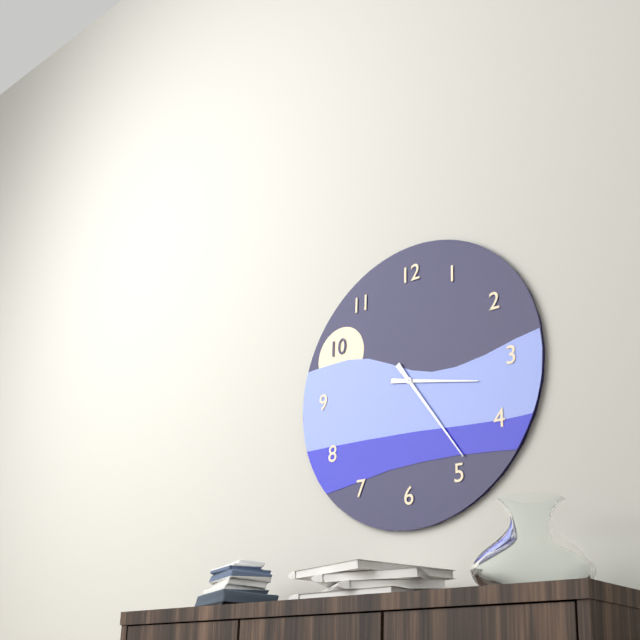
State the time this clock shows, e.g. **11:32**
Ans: **3:24**
